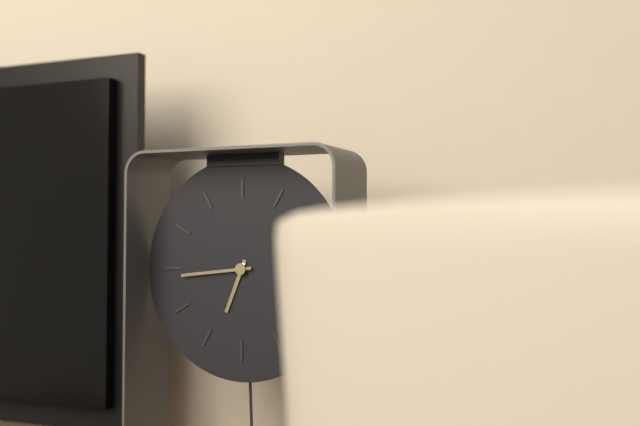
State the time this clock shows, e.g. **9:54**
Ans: **6:44**
